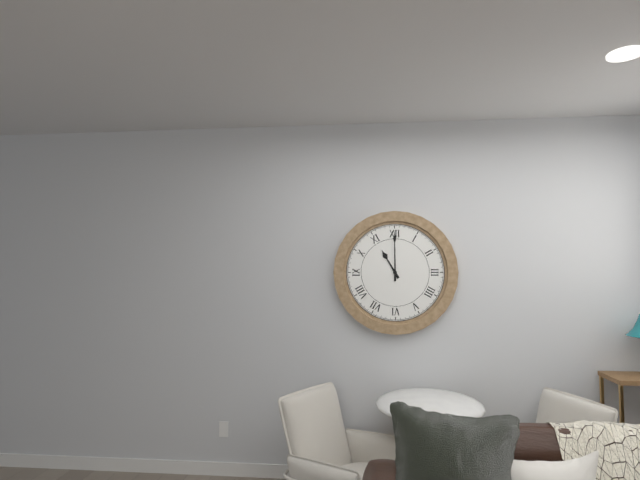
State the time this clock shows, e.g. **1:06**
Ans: **11:00**
